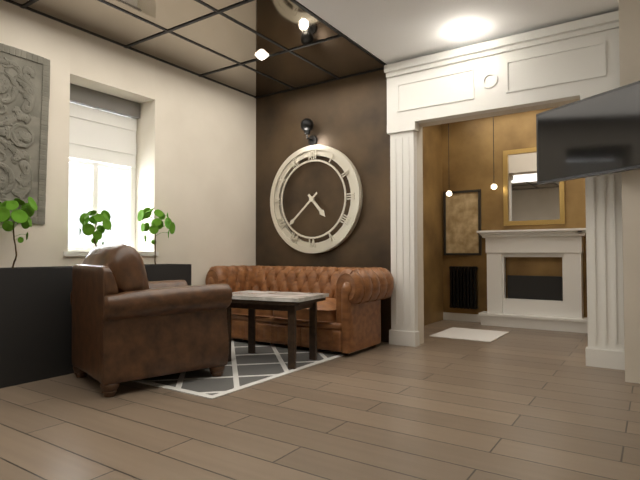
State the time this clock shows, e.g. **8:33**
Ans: **4:38**
